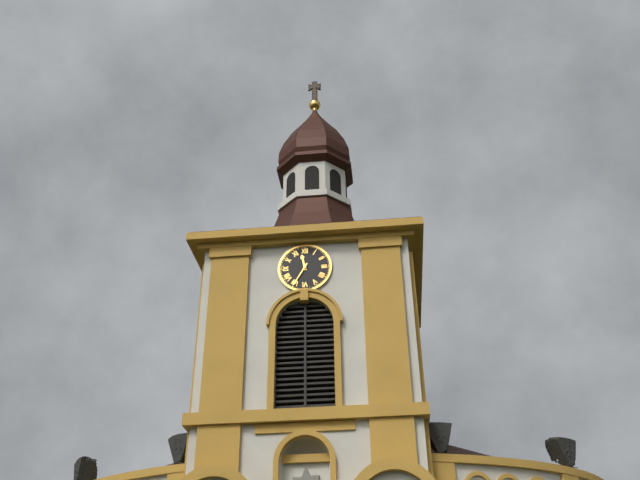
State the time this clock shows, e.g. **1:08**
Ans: **11:35**
